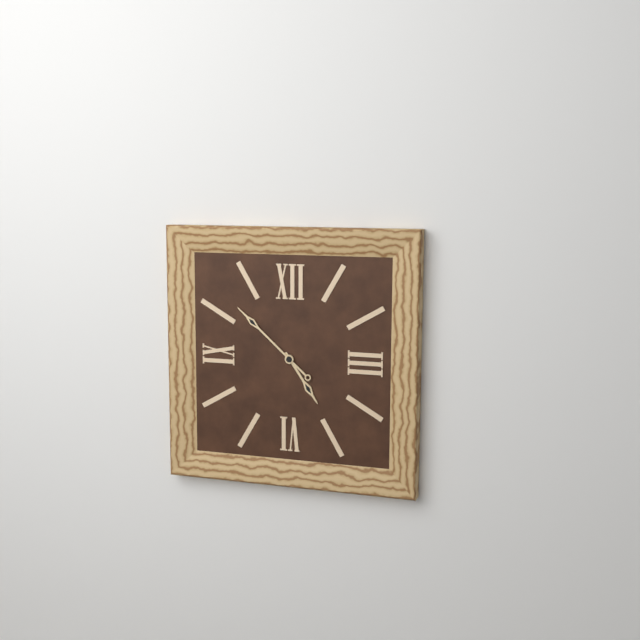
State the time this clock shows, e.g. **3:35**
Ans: **4:52**
